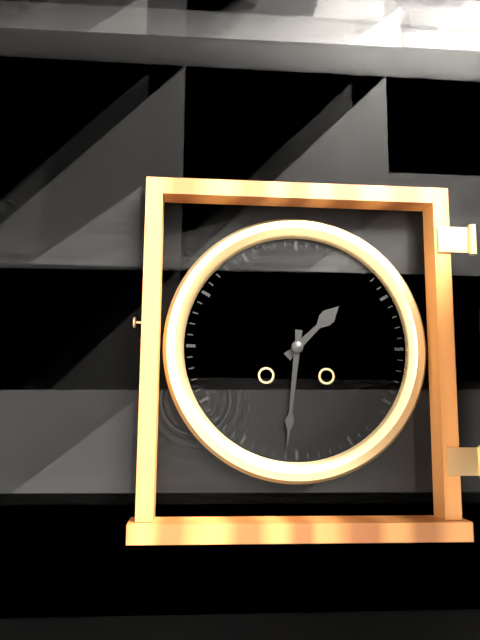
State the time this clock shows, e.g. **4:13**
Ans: **1:31**
